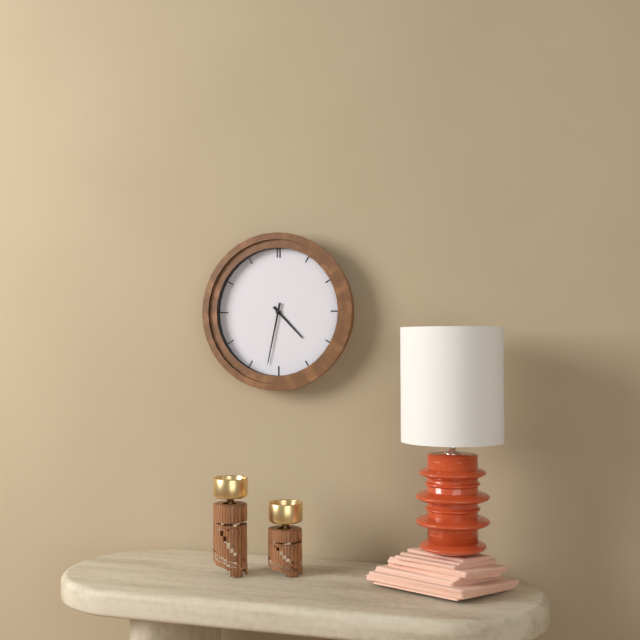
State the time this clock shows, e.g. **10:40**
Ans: **4:32**
